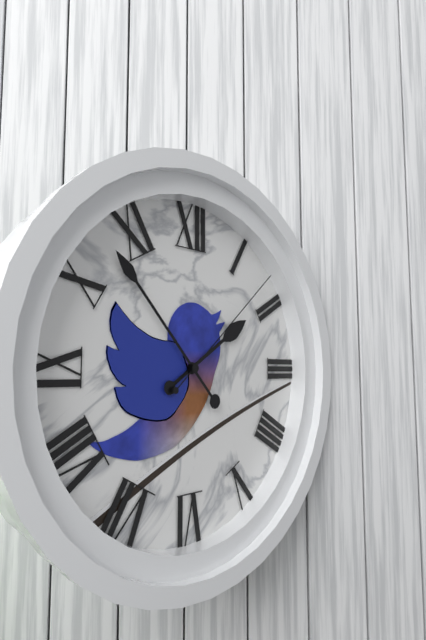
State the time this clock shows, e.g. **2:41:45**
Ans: **1:53:08**
